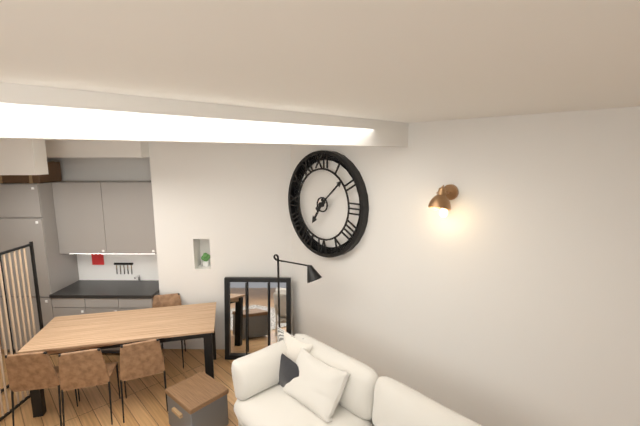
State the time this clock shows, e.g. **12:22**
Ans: **7:08**
